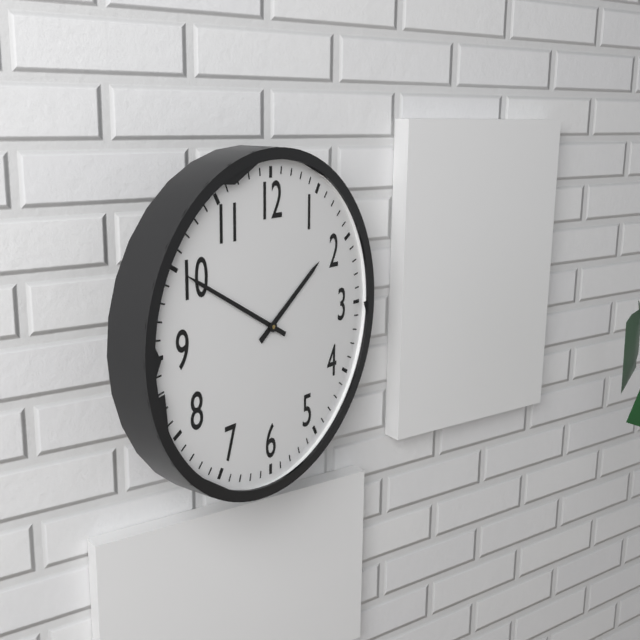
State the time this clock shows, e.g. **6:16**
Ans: **1:50**
